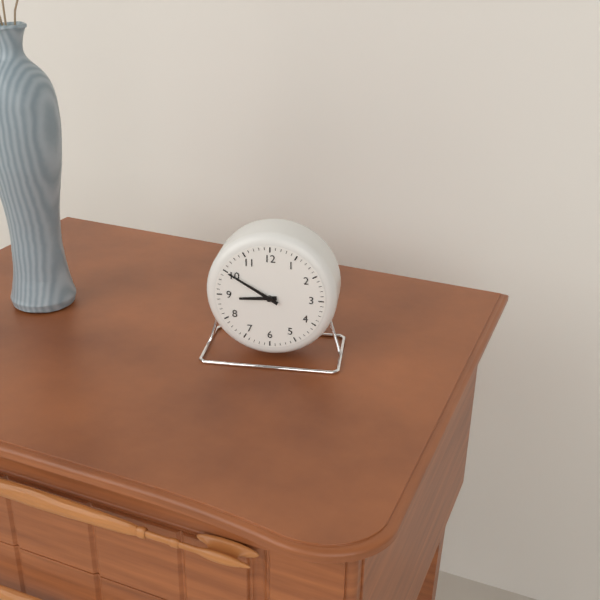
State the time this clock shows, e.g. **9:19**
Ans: **8:50**
